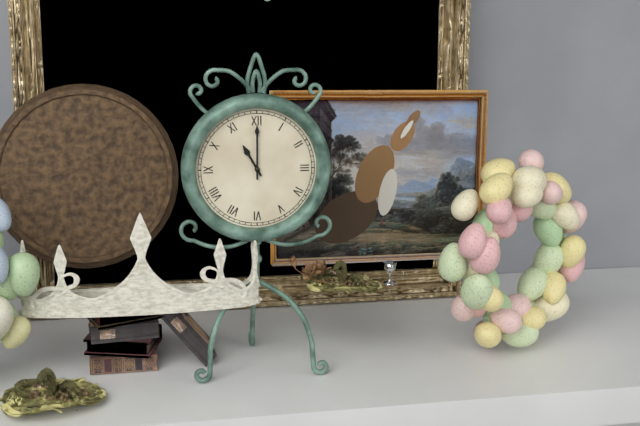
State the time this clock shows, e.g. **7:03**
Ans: **11:00**
